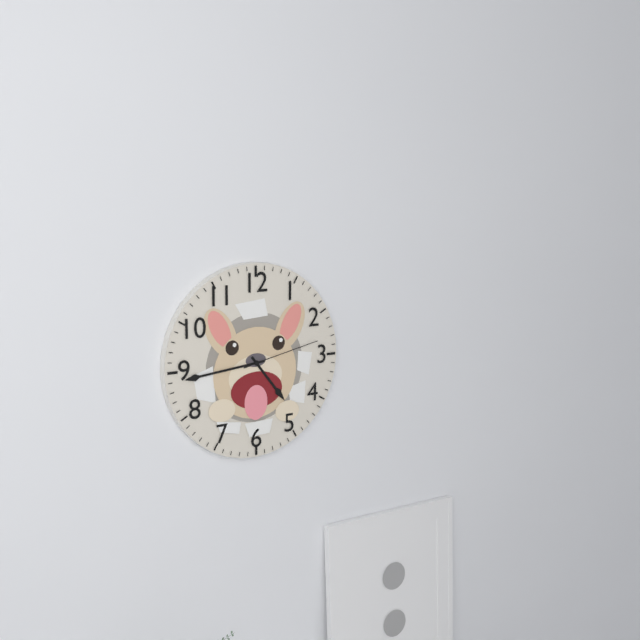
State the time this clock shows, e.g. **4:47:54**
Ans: **4:44:13**
